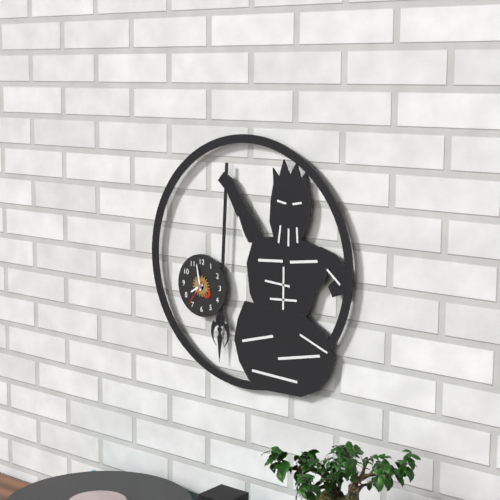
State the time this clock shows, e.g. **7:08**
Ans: **7:58**
